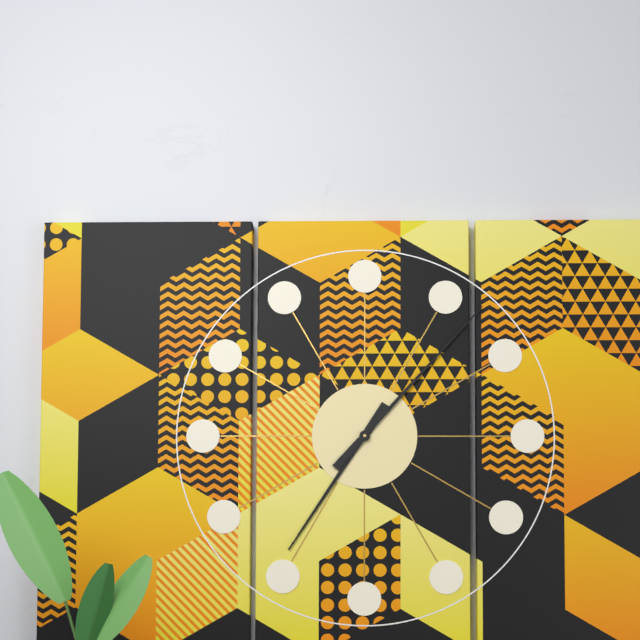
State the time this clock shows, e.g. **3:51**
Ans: **7:07**
